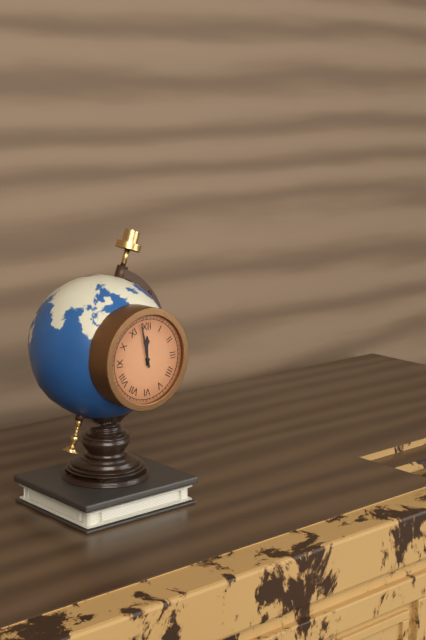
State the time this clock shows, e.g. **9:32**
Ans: **11:58**
